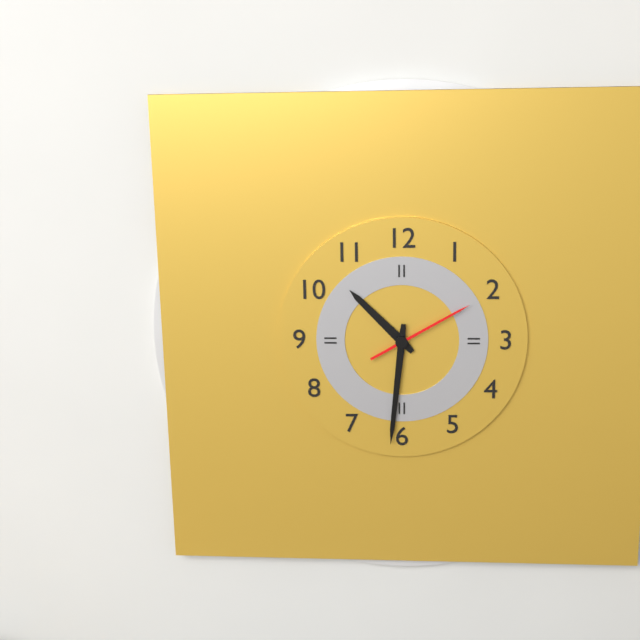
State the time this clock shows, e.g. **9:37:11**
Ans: **10:31:10**
